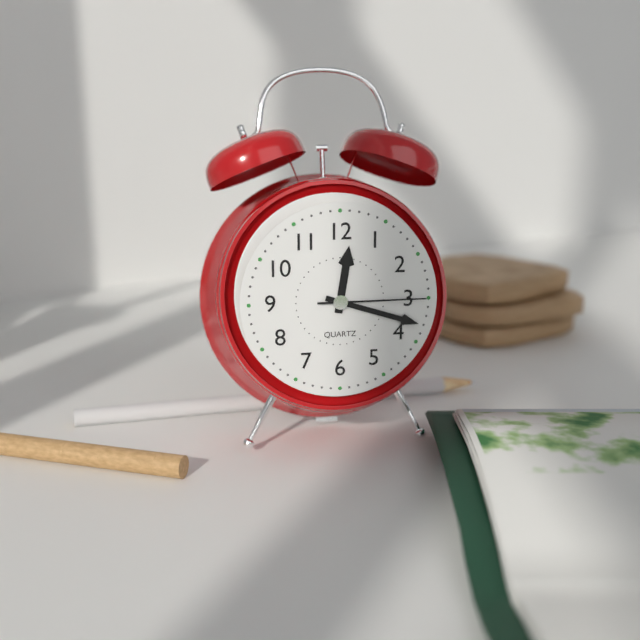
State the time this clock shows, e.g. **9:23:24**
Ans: **12:18:15**
